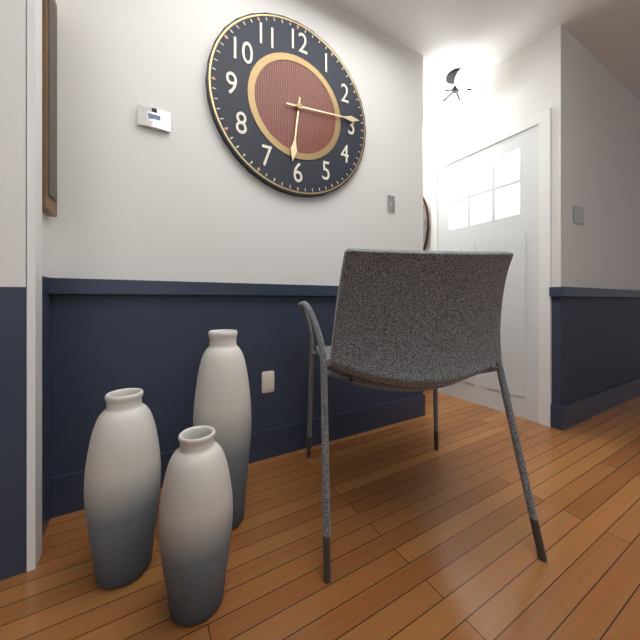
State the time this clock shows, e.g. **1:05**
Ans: **6:14**
